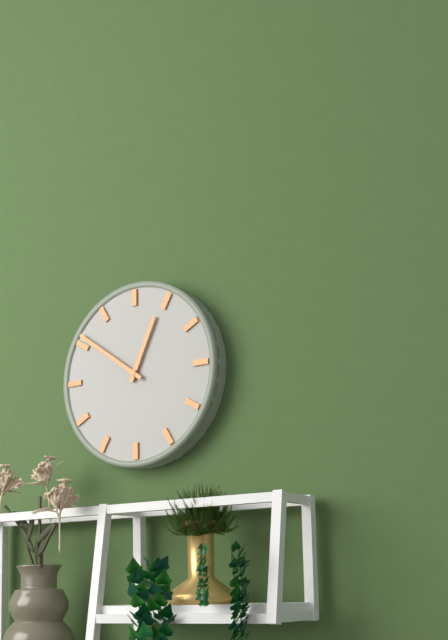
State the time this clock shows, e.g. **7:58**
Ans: **12:51**
